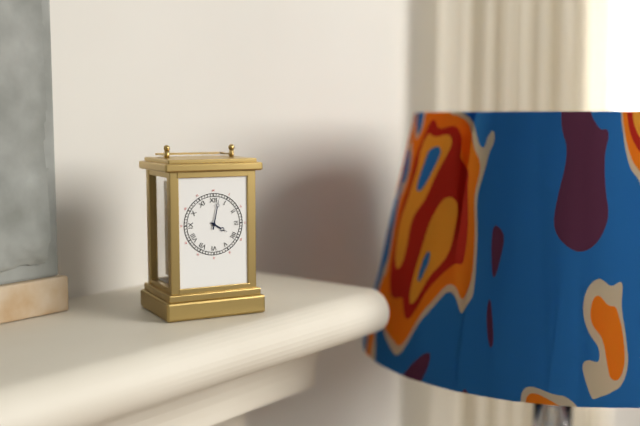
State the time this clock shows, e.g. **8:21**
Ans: **4:02**
